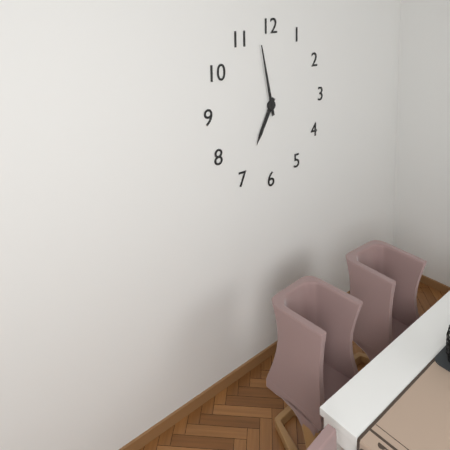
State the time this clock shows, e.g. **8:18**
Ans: **6:58**
